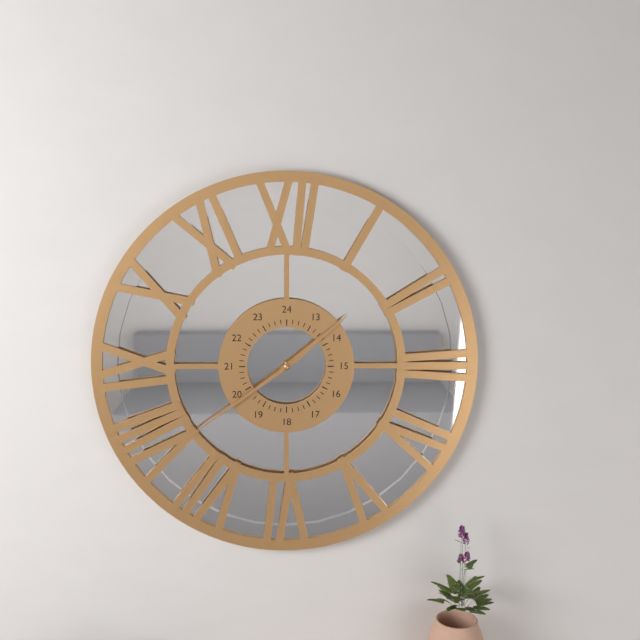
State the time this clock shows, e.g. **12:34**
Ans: **1:39**
